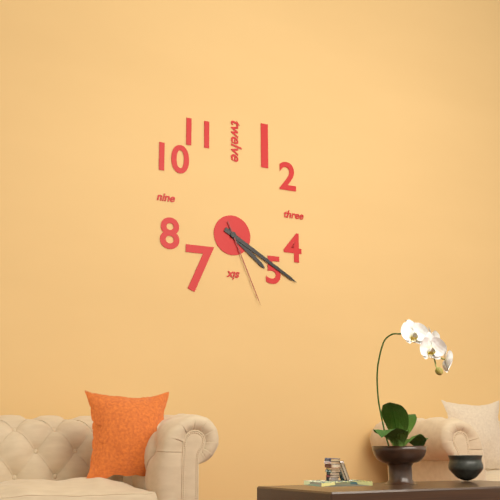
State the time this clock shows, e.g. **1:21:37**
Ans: **4:20:26**
